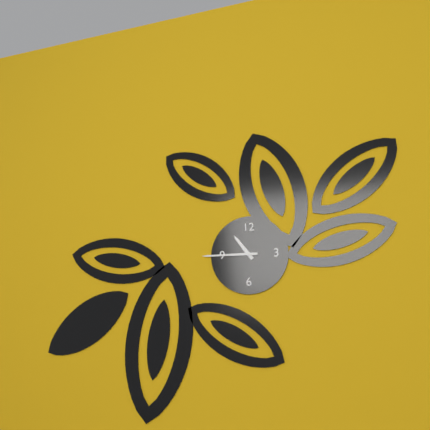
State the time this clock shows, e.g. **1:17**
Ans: **10:45**
